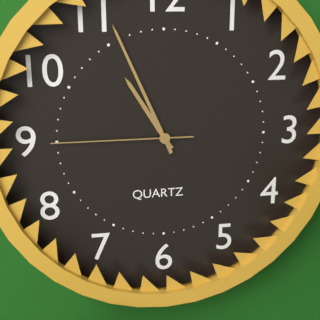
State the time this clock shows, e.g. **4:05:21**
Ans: **10:56:45**
